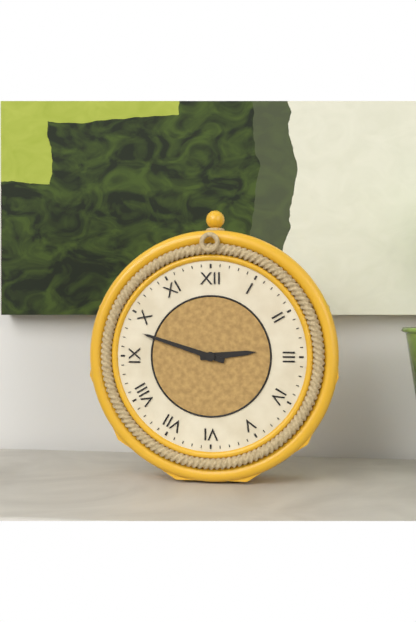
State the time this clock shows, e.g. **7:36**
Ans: **2:48**
